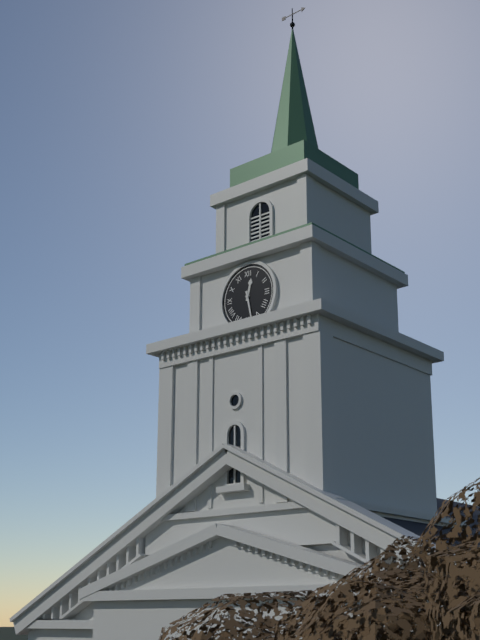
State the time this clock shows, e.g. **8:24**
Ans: **12:28**
